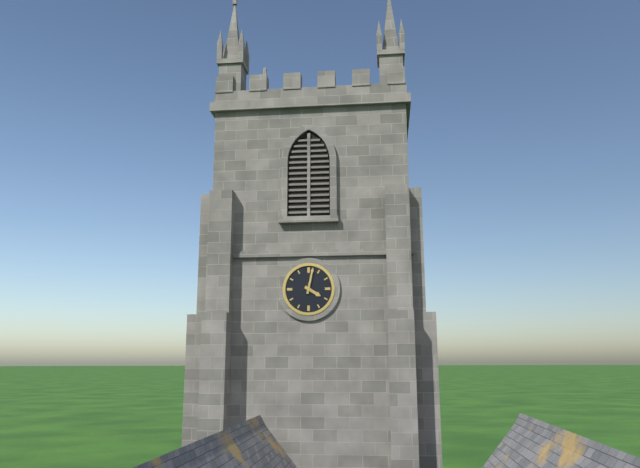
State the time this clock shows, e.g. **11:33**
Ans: **4:02**
